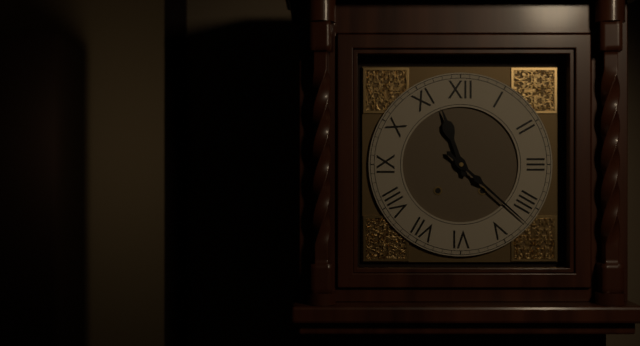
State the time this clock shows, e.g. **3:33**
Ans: **11:22**
